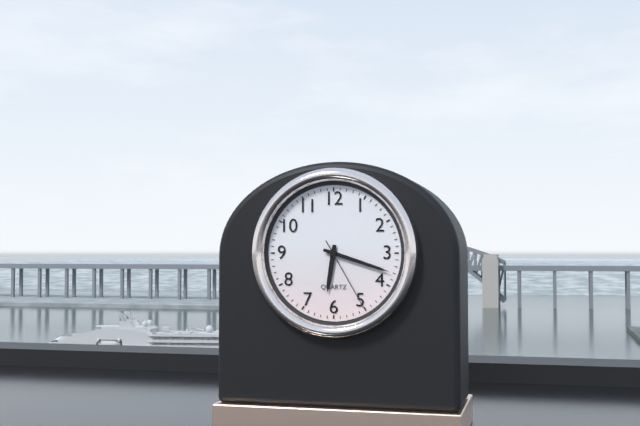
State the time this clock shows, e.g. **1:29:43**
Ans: **6:18:25**
